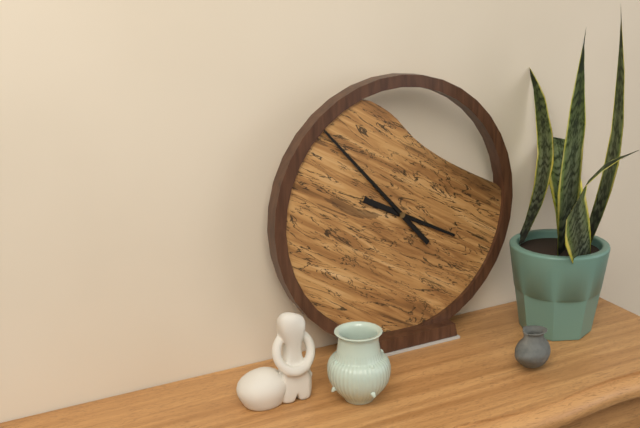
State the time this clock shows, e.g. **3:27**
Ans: **3:53**
